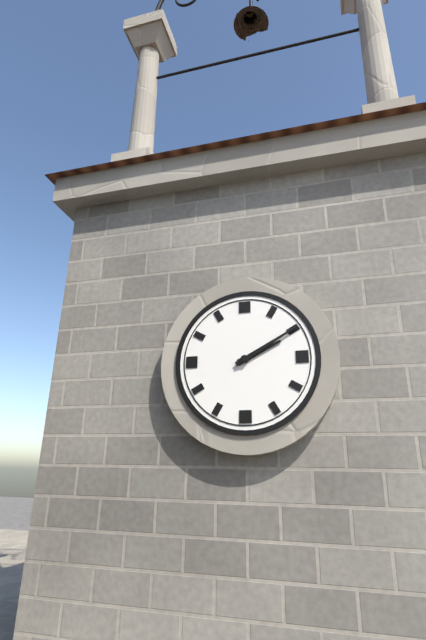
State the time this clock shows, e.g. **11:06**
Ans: **2:10**
